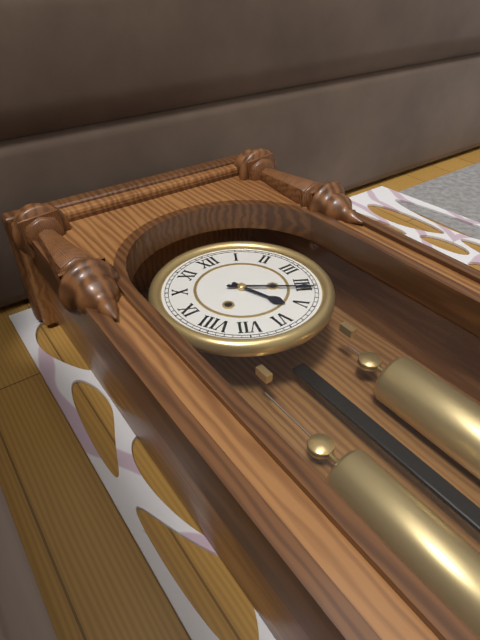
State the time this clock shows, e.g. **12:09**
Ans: **5:21**
